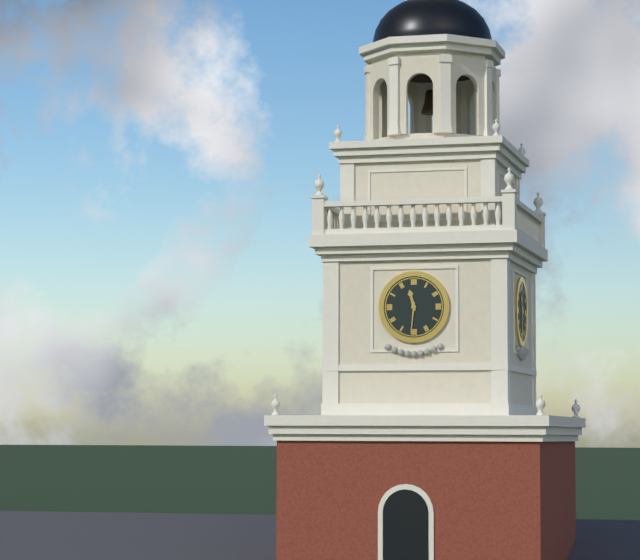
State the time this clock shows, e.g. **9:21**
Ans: **11:31**
